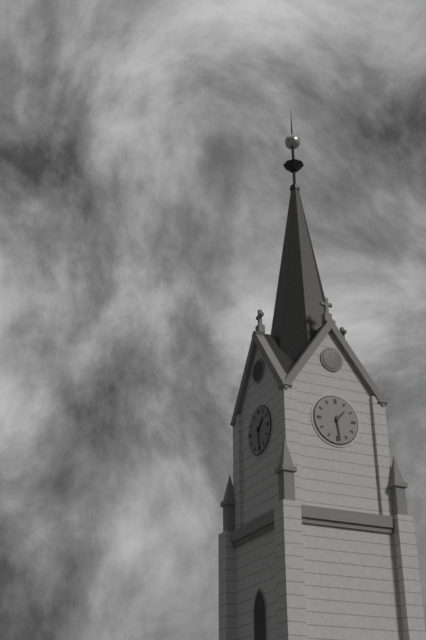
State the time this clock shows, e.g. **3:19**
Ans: **1:29**
